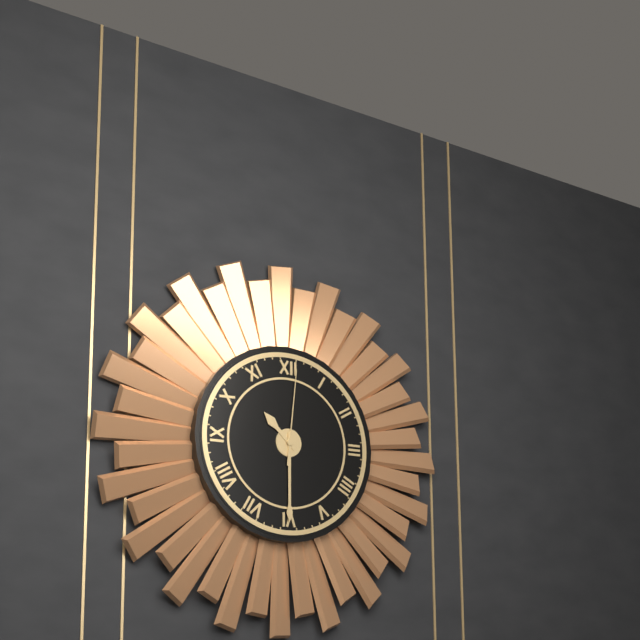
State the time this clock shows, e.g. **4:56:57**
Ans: **10:30:01**
